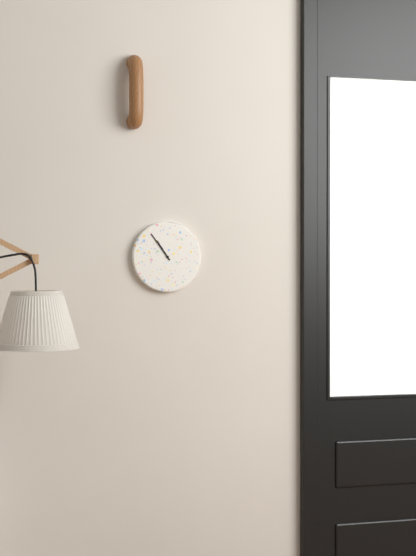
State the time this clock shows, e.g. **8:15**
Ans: **10:54**
